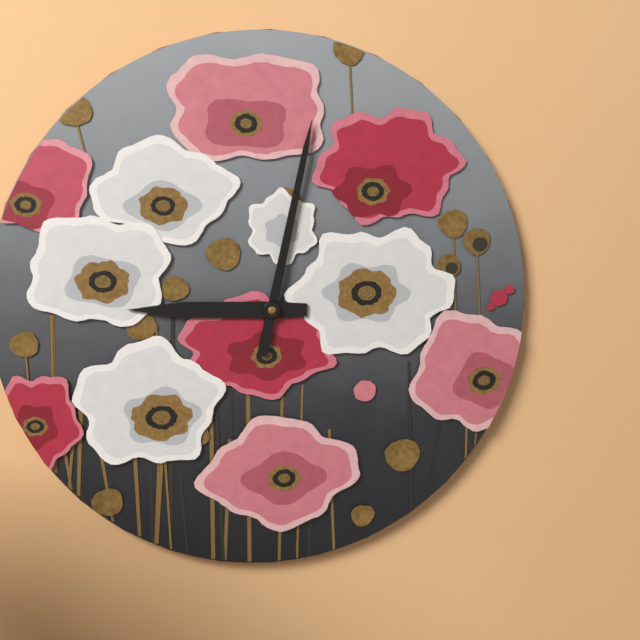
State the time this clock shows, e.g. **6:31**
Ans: **9:02**
